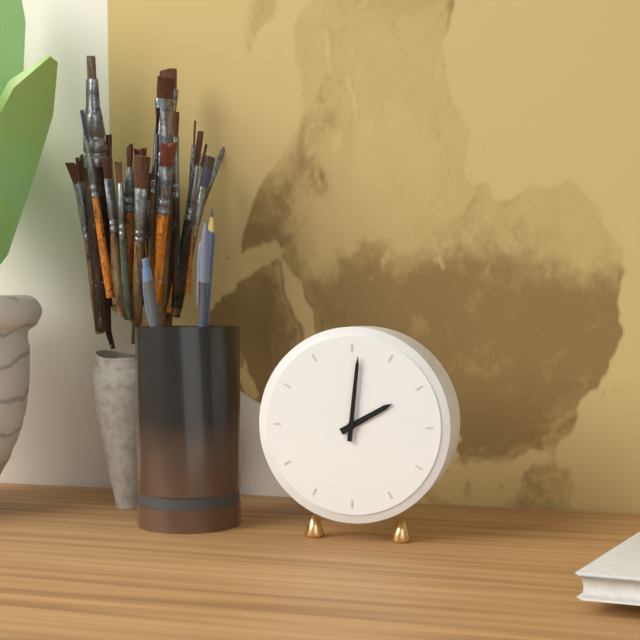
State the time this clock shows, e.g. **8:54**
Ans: **2:01**
